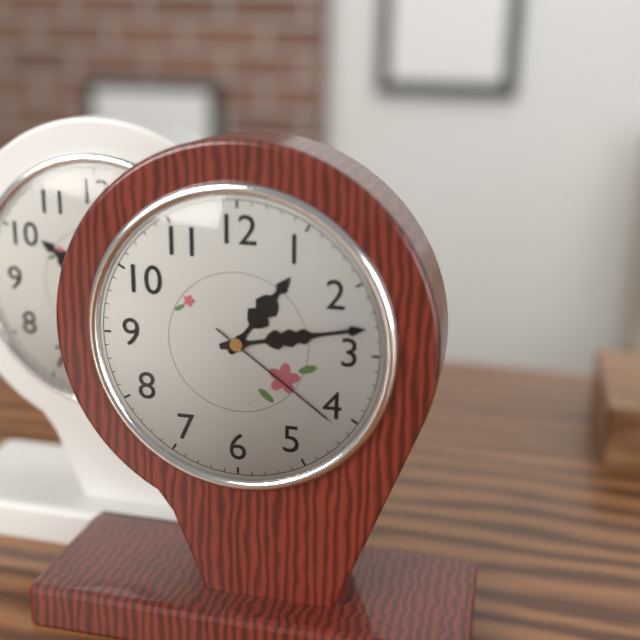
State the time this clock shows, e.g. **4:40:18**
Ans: **1:13:21**
